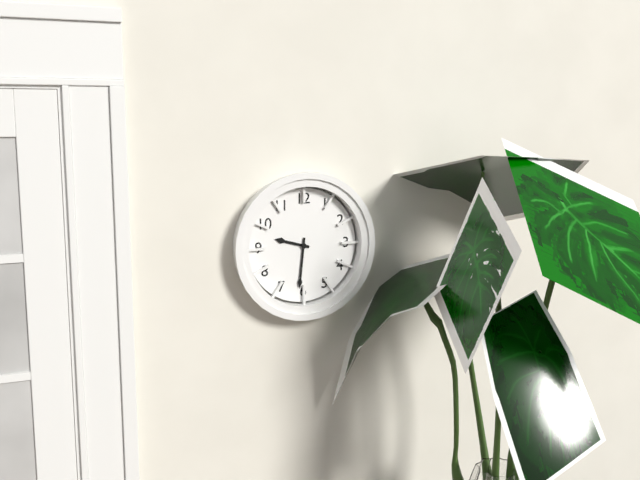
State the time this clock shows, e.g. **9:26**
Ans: **9:31**
